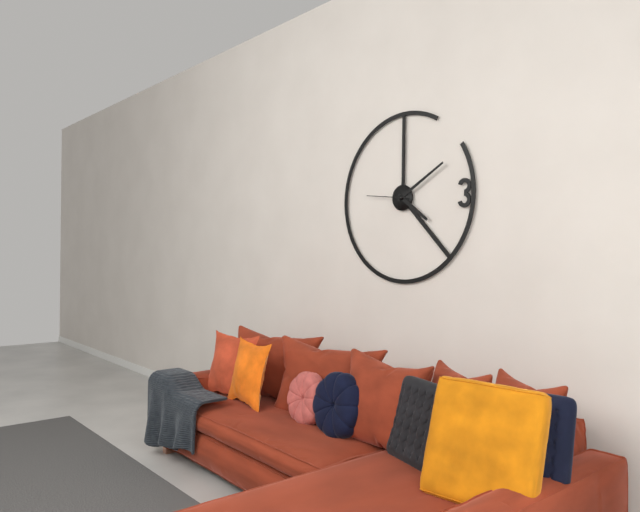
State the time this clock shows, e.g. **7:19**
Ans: **4:10**
